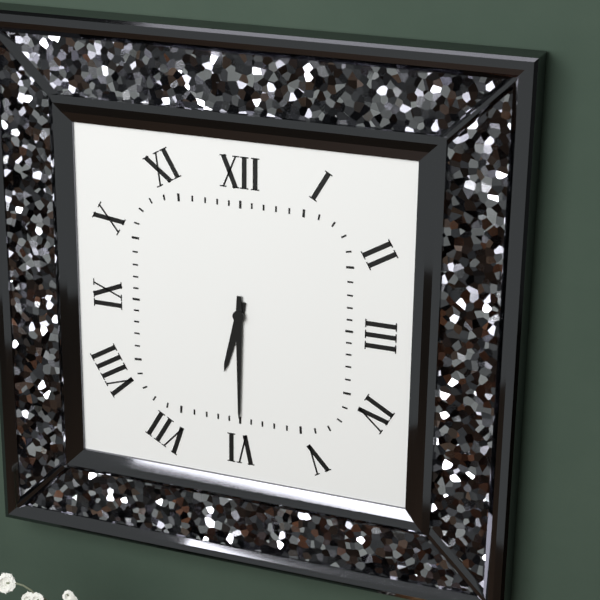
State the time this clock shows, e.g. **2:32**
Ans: **6:30**
